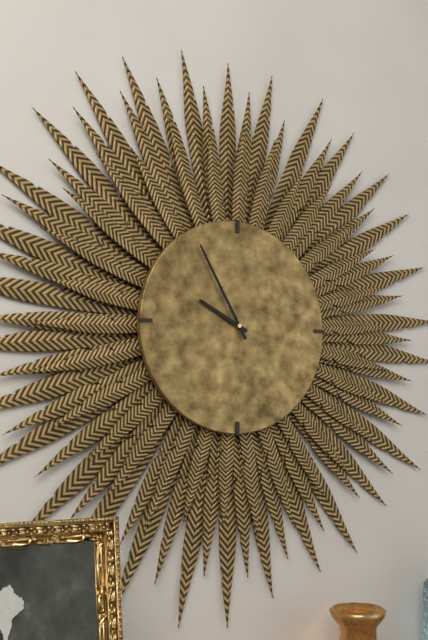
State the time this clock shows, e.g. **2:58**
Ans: **9:55**
